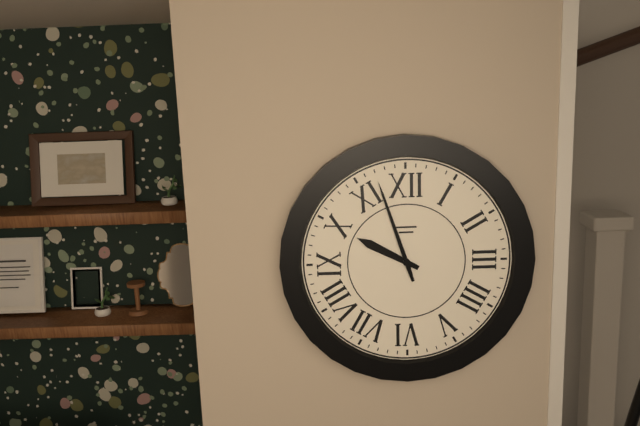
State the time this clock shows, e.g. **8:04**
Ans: **9:57**
